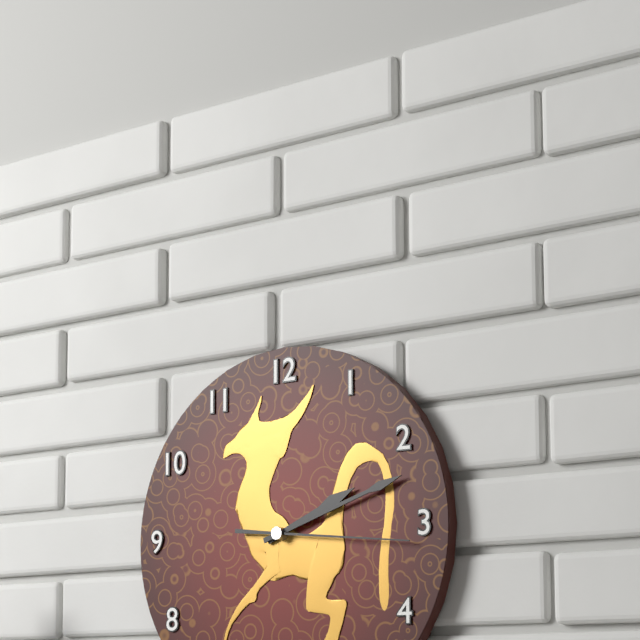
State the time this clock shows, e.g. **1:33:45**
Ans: **2:12:16**
